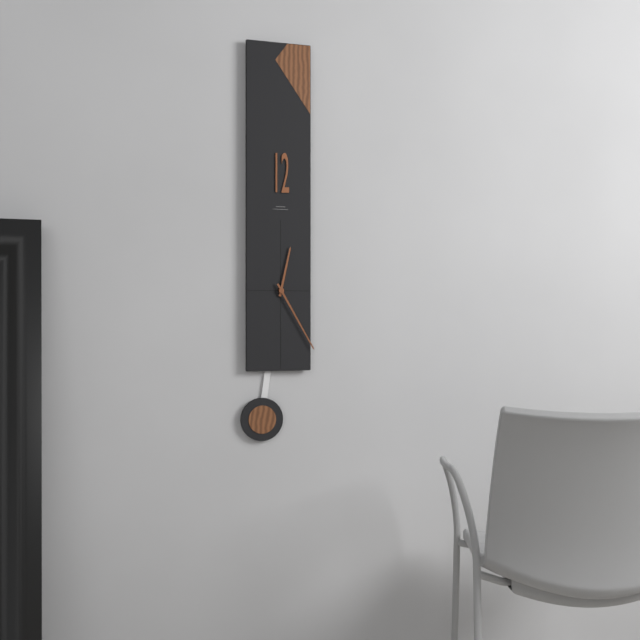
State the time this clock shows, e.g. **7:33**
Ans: **12:25**
